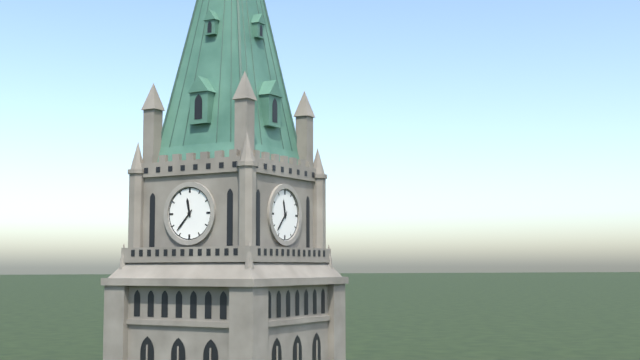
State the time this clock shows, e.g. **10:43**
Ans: **11:37**
